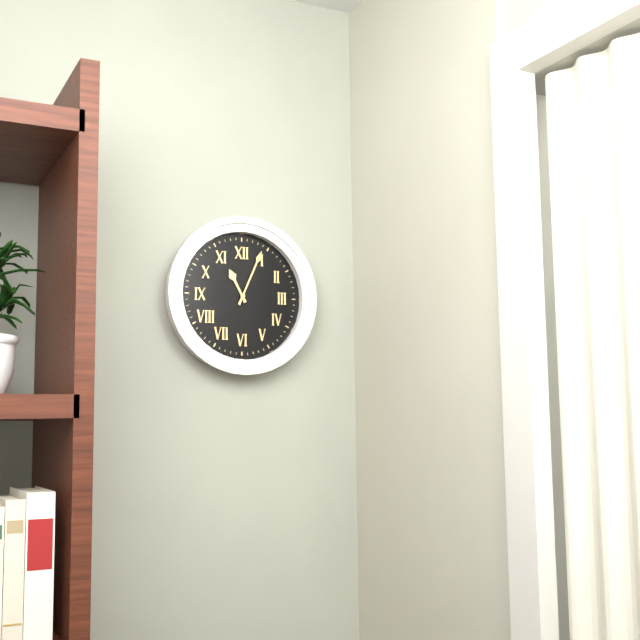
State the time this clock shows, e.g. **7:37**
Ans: **11:04**
